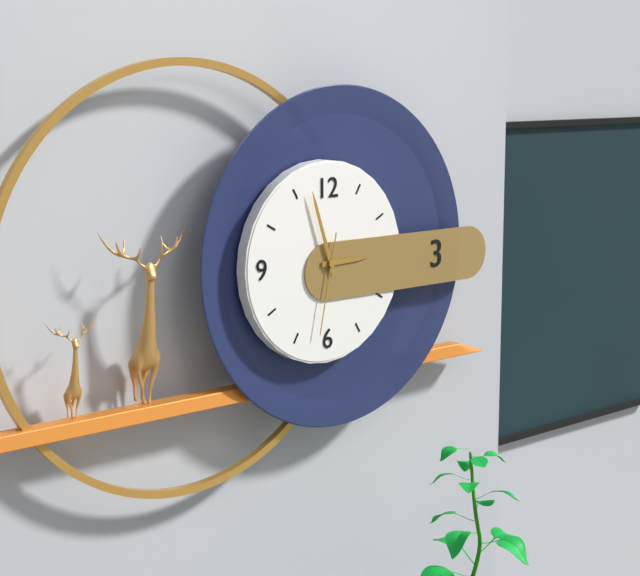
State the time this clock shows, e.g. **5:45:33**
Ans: **2:57:32**
